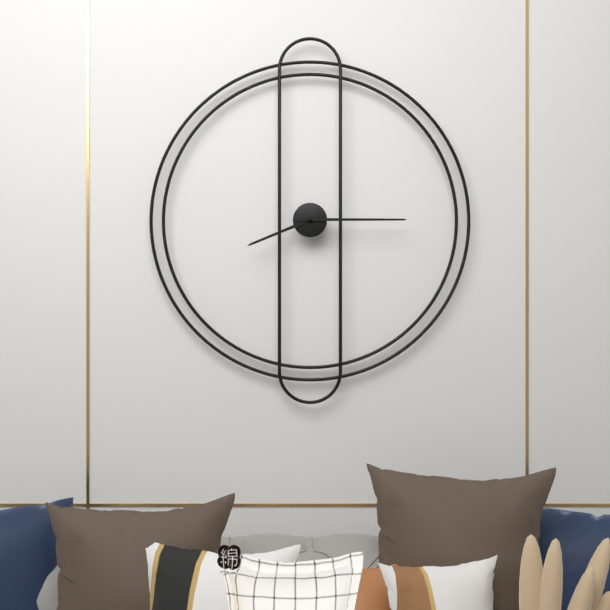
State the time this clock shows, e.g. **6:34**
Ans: **8:15**
